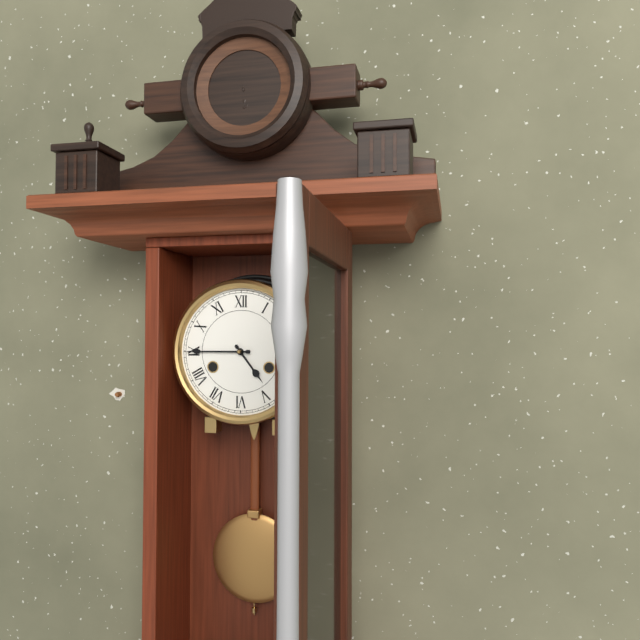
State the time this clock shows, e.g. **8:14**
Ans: **4:45**
